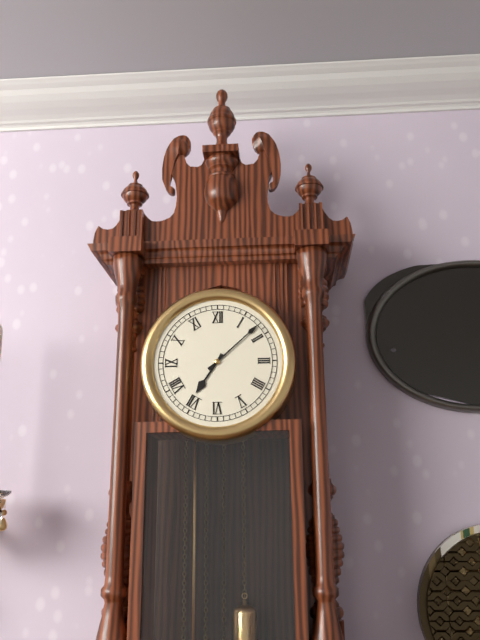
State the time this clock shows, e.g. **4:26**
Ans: **7:08**
